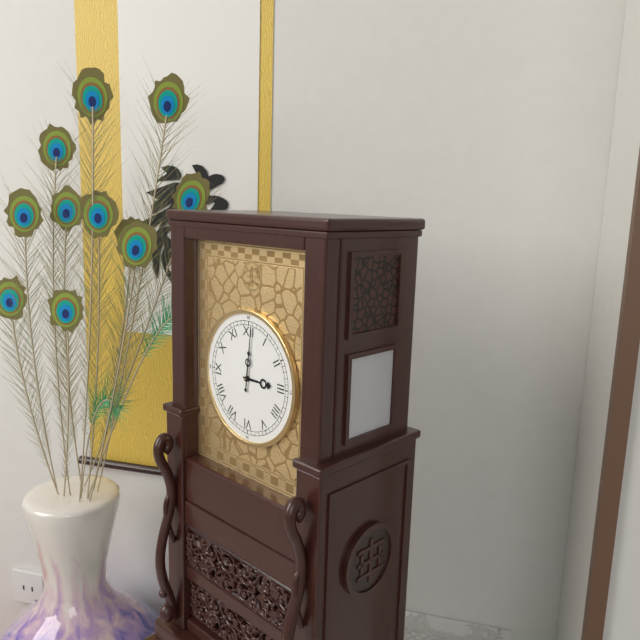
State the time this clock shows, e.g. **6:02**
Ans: **3:01**
